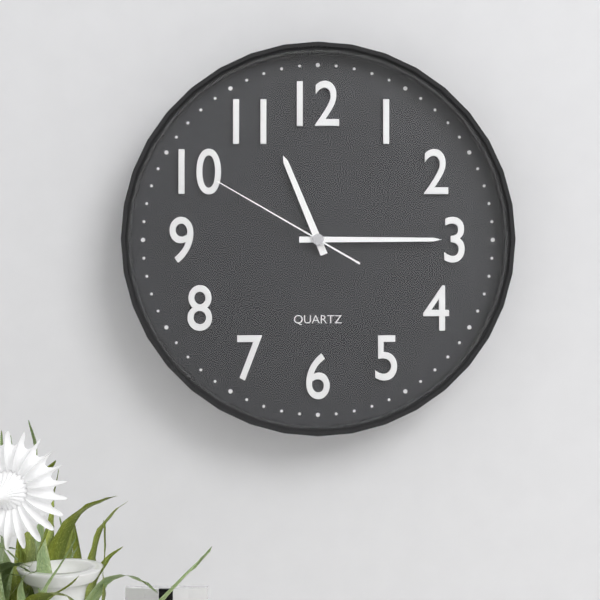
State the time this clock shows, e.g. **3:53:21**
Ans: **11:15:50**
